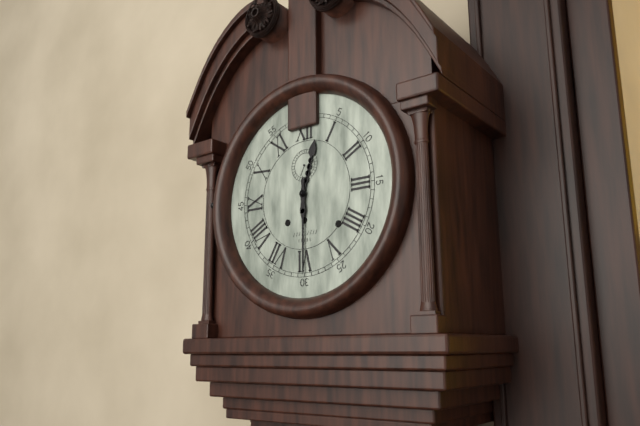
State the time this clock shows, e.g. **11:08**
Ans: **12:30**
